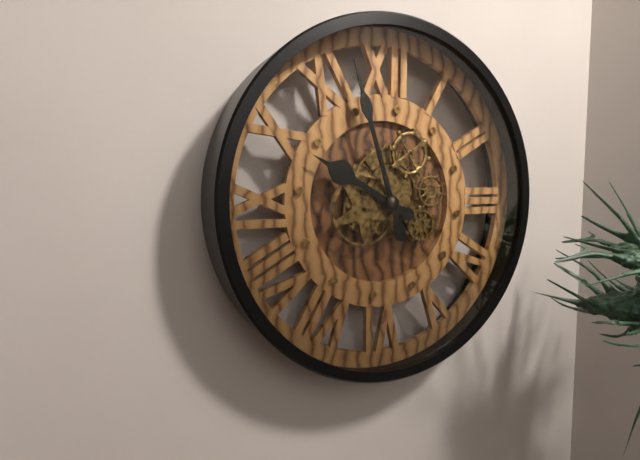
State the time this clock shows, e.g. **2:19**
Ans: **9:57**
